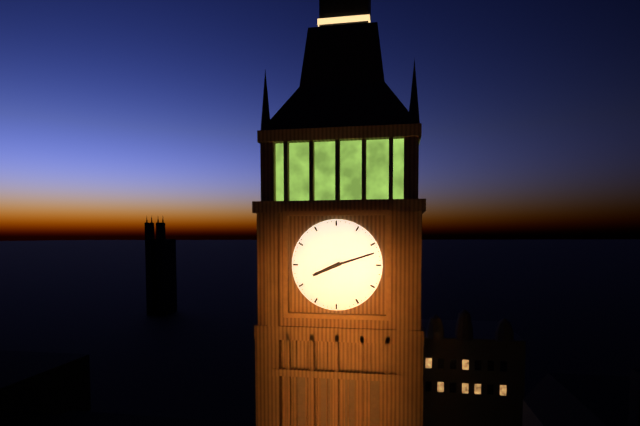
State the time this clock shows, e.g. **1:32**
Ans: **8:12**
